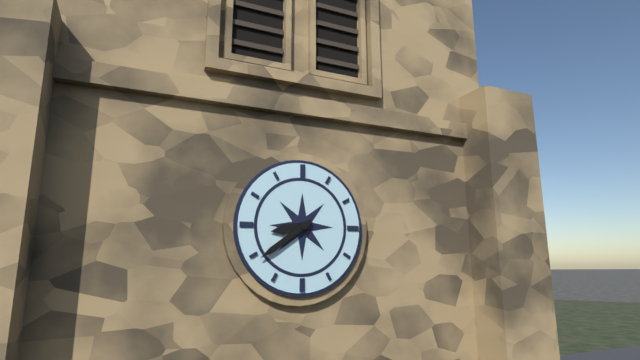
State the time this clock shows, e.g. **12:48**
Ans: **8:39**
